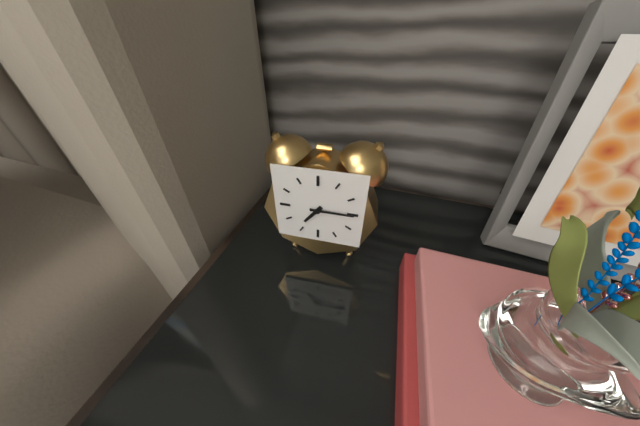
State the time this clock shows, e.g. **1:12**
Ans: **7:15**
